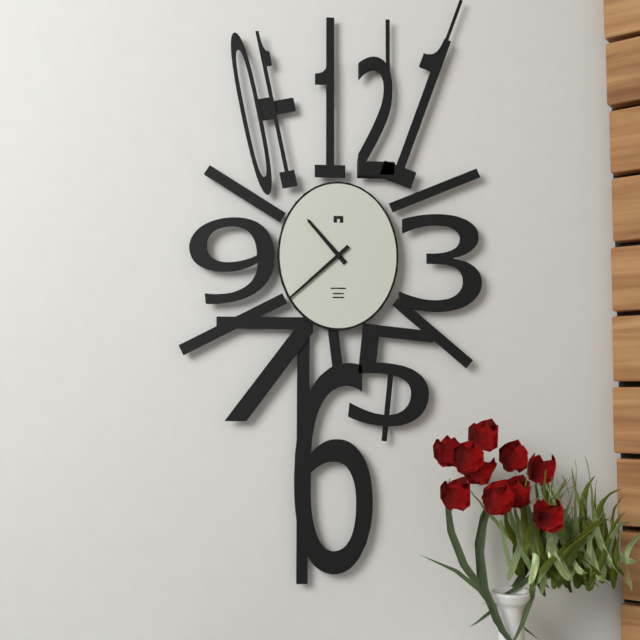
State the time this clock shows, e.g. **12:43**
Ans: **10:38**
